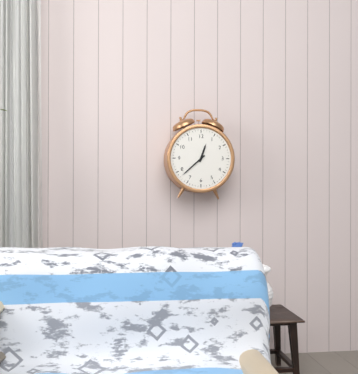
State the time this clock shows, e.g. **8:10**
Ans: **12:38**
